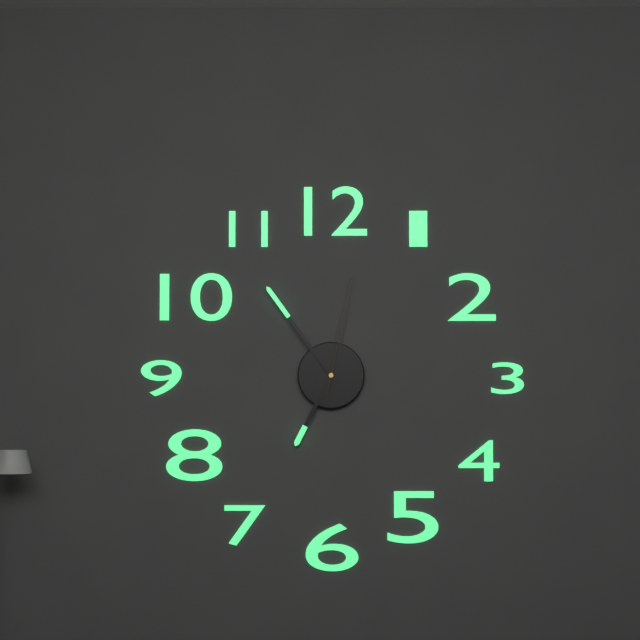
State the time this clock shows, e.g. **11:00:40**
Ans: **6:54:02**
